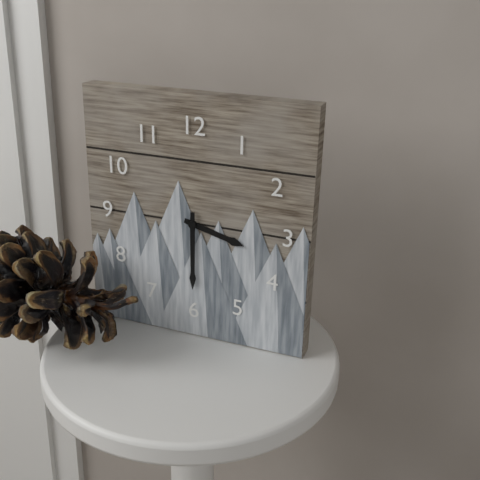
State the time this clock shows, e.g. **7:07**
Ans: **3:30**
